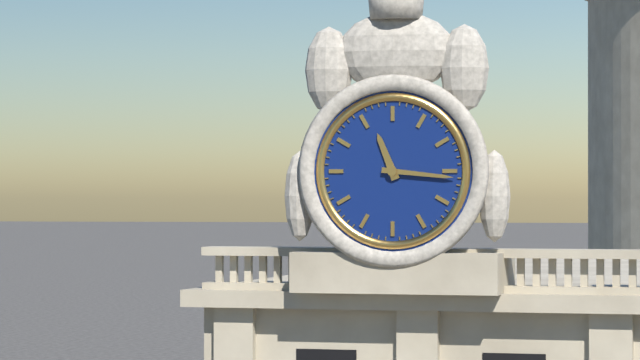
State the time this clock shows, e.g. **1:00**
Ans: **11:16**
